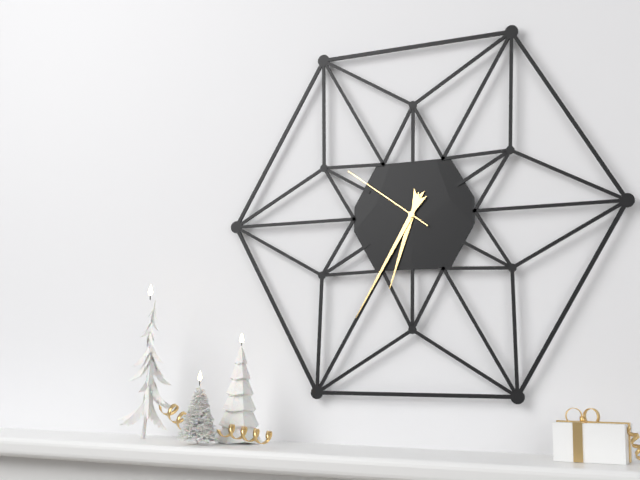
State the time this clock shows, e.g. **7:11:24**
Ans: **6:35:51**
